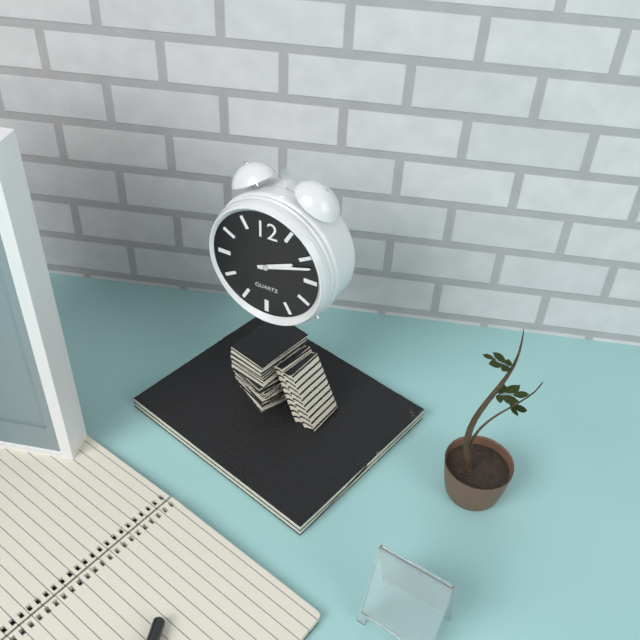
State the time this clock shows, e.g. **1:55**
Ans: **2:12**
